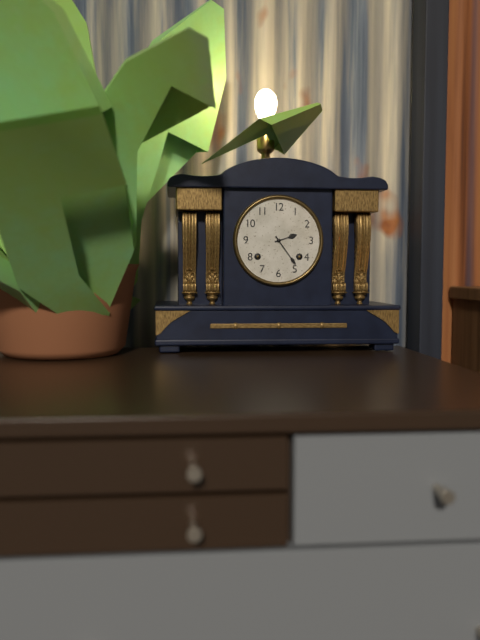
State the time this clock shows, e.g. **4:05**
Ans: **2:24**
